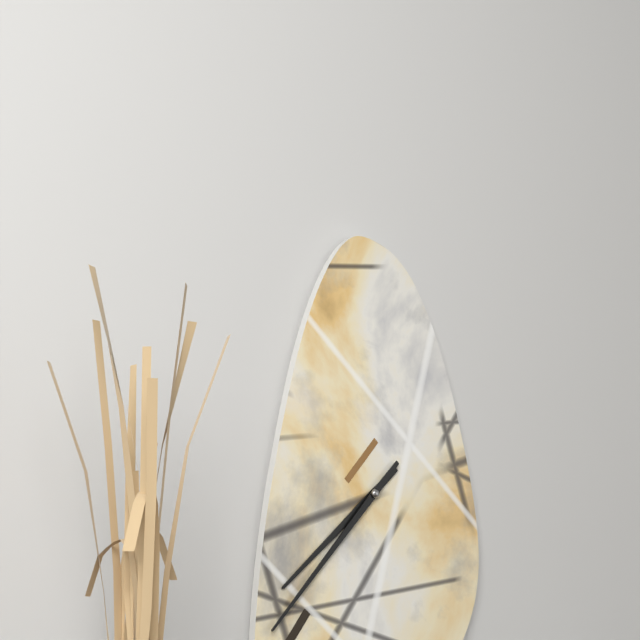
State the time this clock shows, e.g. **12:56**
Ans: **7:37**
